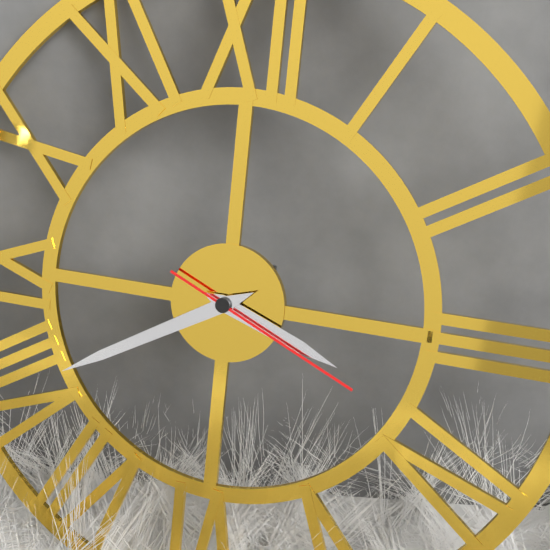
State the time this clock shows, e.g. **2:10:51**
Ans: **3:40:19**
